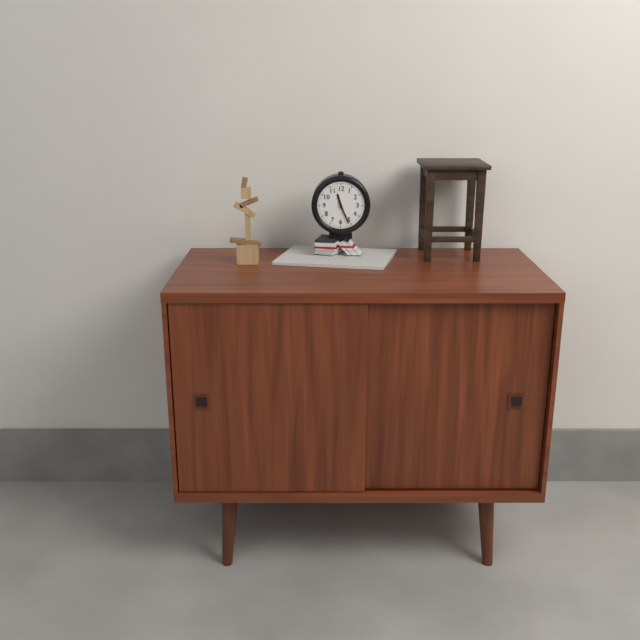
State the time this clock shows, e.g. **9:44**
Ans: **11:26**
